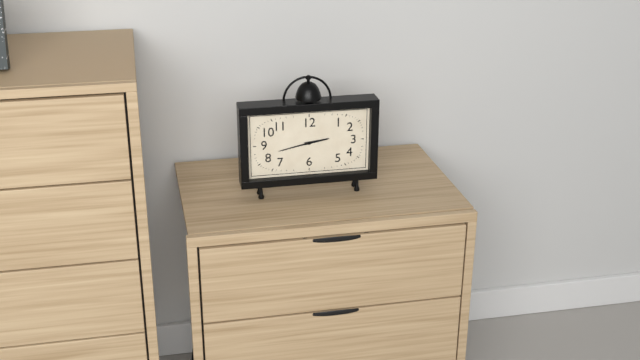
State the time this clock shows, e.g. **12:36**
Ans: **2:43**
